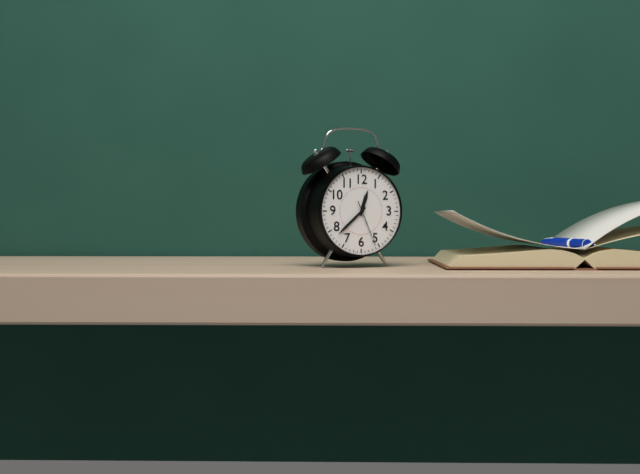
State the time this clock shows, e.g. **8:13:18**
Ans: **12:38:26**
